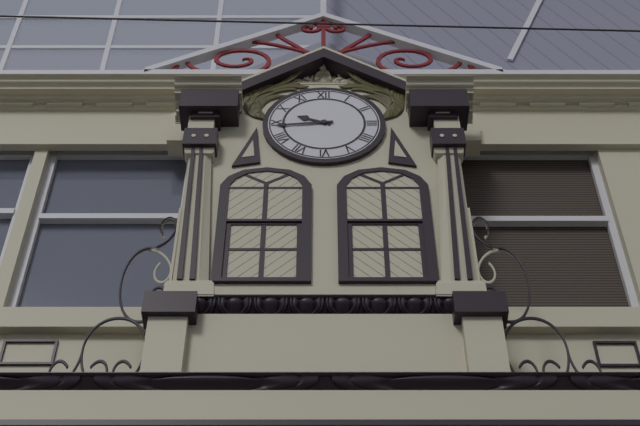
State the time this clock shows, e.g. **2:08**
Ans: **9:44**
